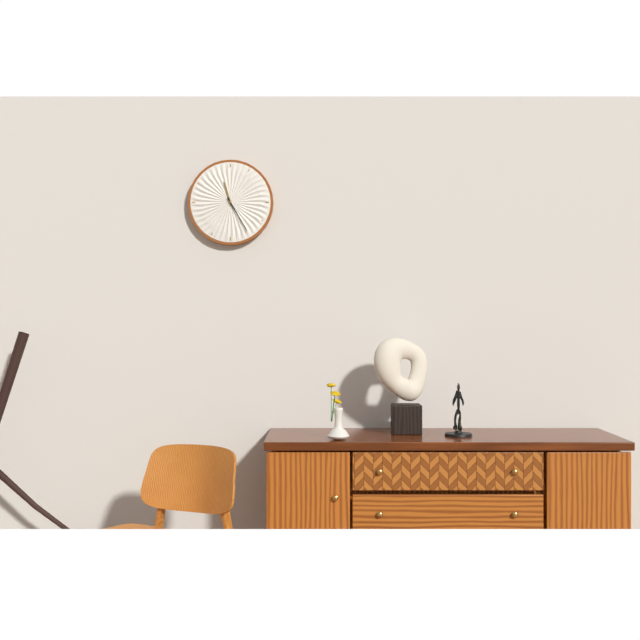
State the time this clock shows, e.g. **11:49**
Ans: **11:25**
